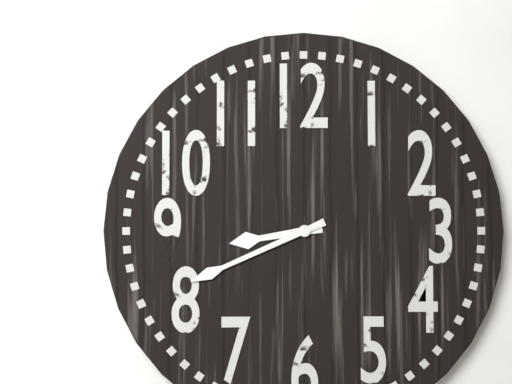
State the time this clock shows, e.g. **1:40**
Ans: **8:41**
